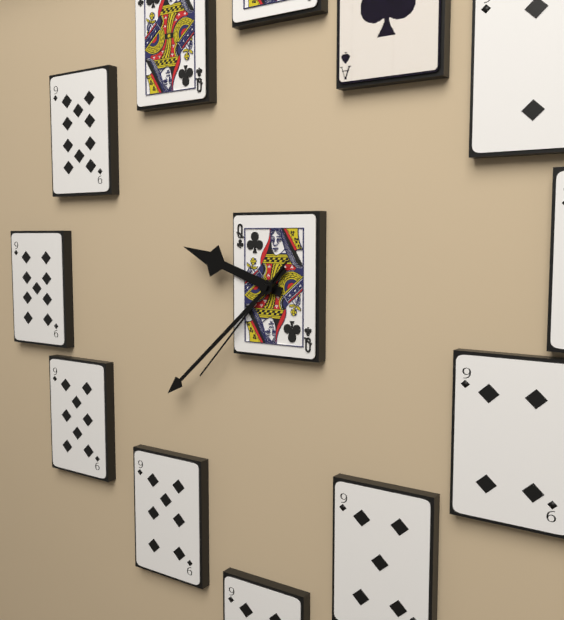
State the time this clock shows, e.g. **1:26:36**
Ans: **9:38:37**
